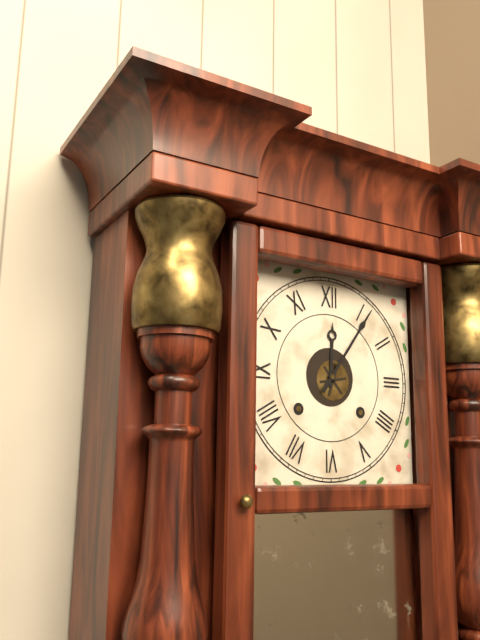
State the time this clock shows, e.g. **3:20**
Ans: **12:06**
